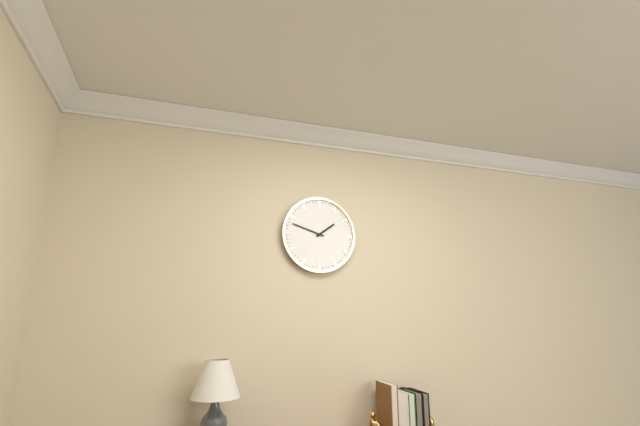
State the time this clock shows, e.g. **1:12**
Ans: **1:48**
